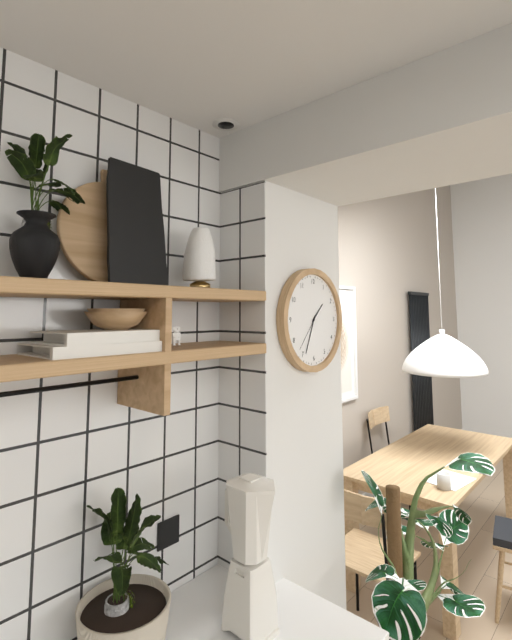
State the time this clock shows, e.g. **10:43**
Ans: **1:34**
